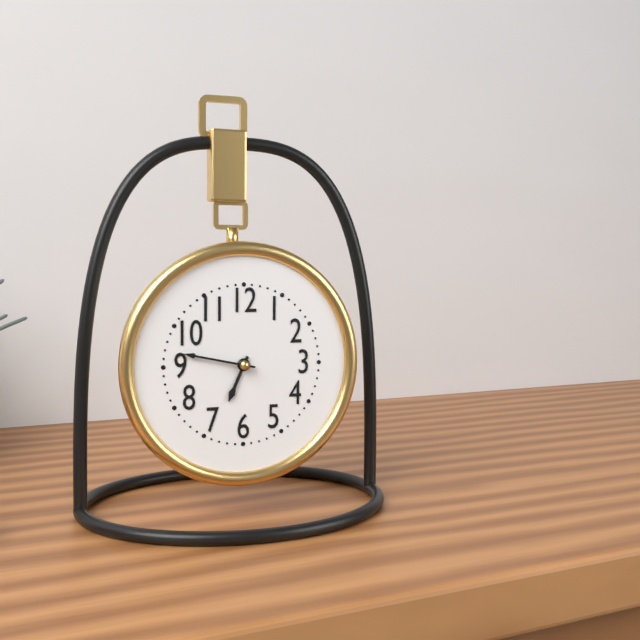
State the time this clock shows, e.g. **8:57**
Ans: **6:47**
